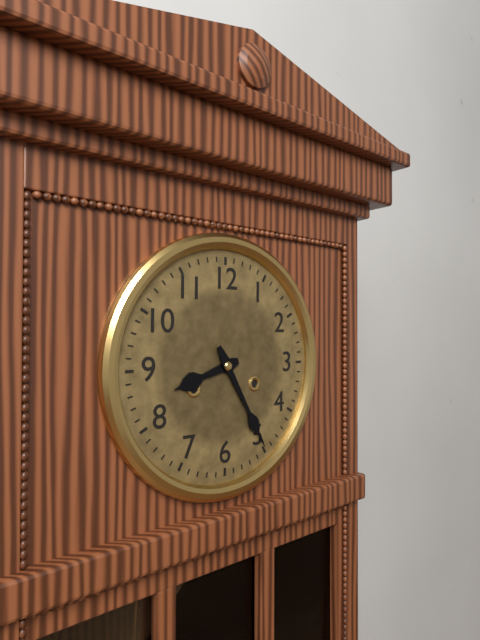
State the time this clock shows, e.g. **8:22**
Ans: **8:25**
